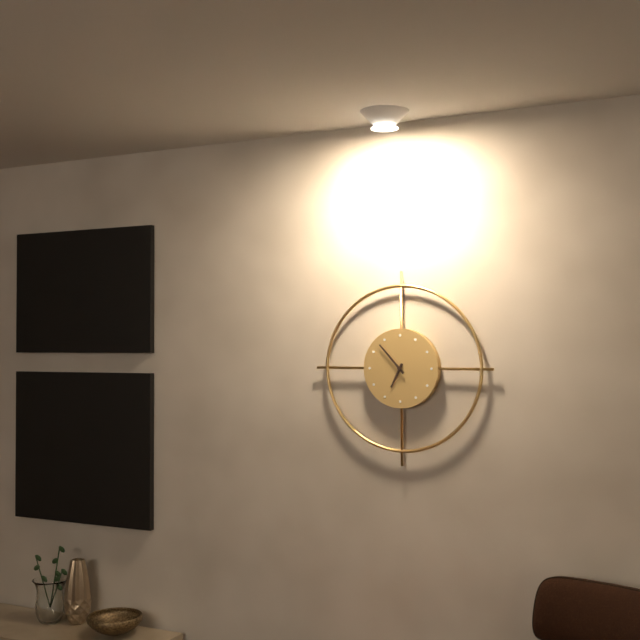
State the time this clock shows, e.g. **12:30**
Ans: **6:53**
